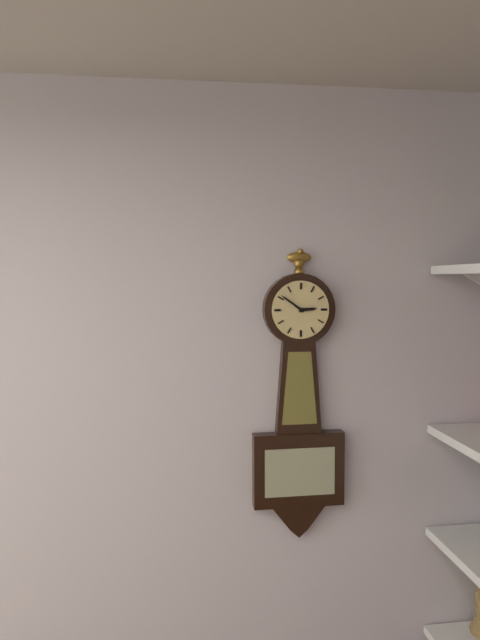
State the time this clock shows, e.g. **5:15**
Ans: **2:51**
